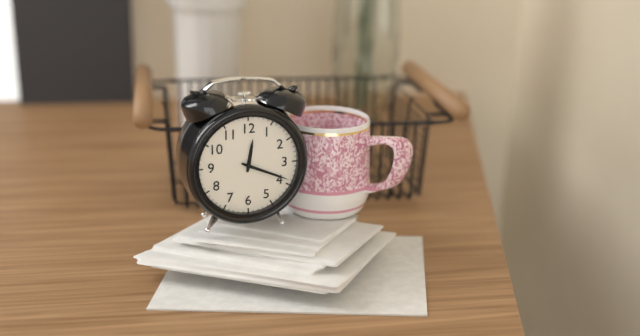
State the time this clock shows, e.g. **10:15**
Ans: **12:19**
